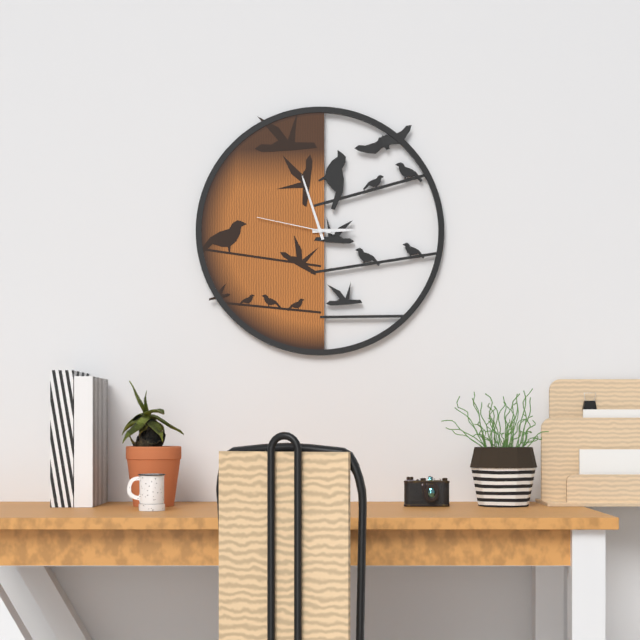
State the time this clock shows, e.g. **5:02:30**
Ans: **2:57:47**
